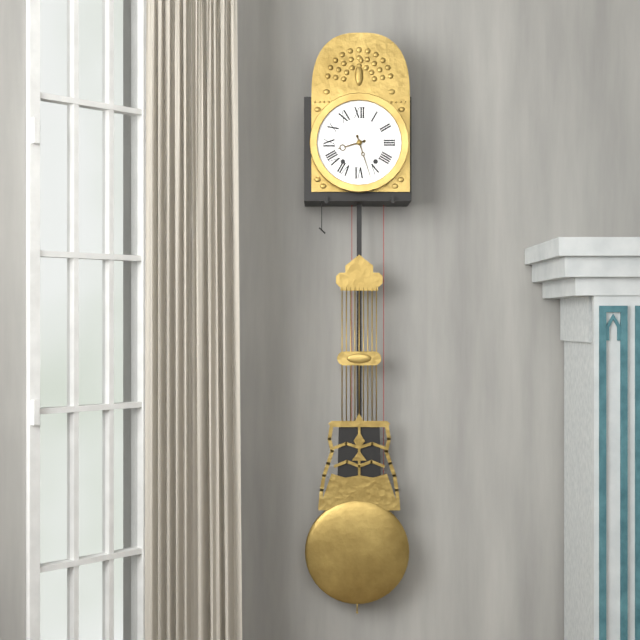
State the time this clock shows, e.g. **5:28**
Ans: **8:27**
